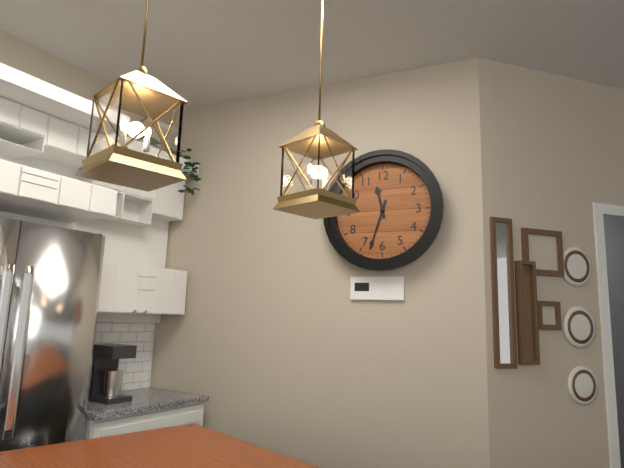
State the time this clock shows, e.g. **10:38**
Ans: **11:33**
